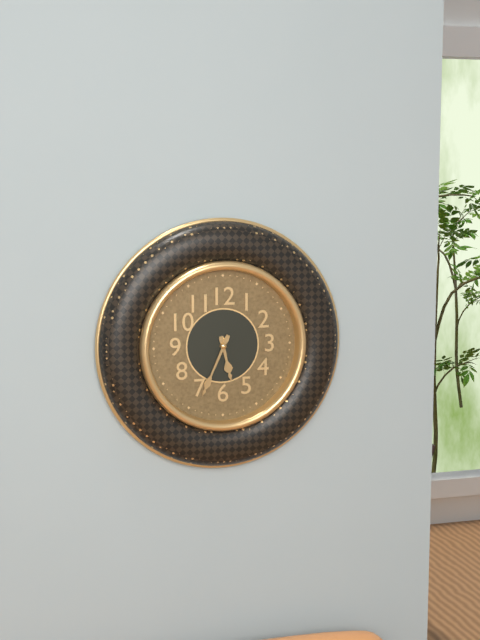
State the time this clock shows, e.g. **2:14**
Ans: **5:34**
